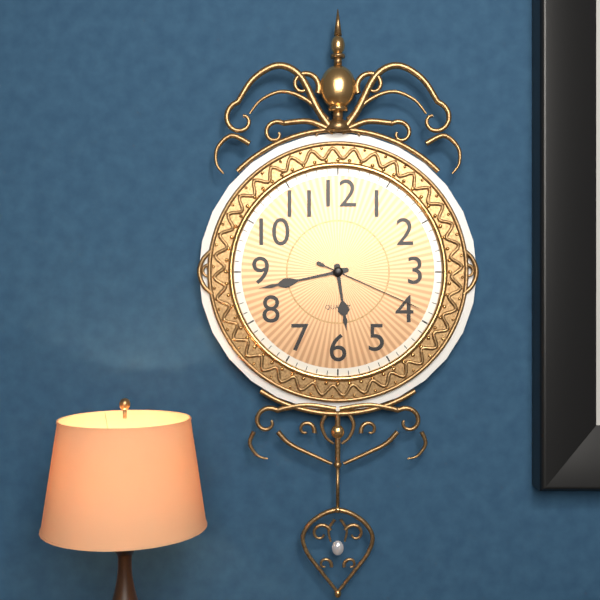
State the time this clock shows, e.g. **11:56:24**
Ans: **5:43:19**
